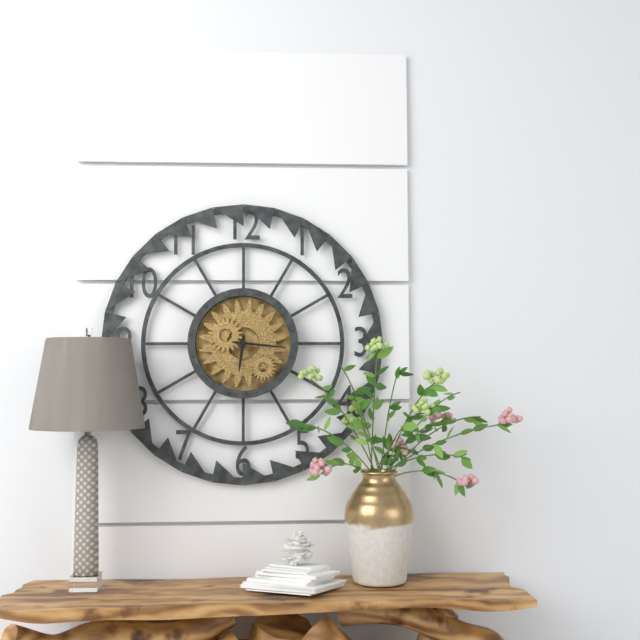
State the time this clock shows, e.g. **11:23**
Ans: **6:16**
